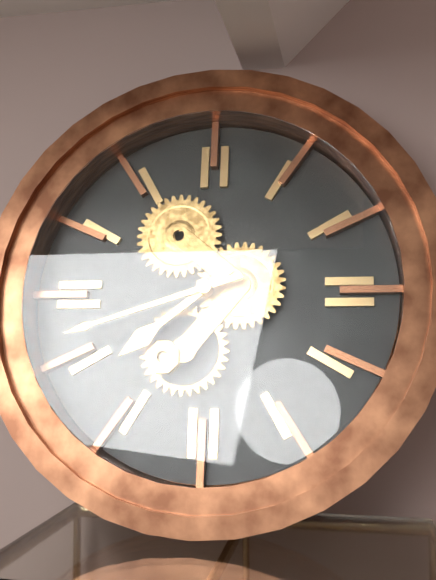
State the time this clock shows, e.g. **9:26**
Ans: **7:42**
